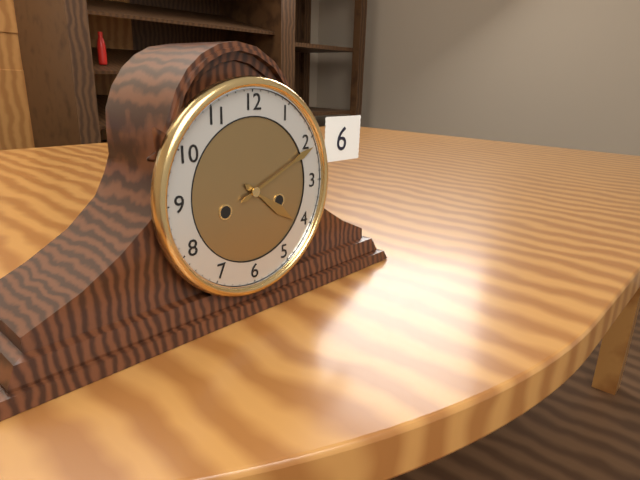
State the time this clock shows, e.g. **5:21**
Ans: **4:11**
